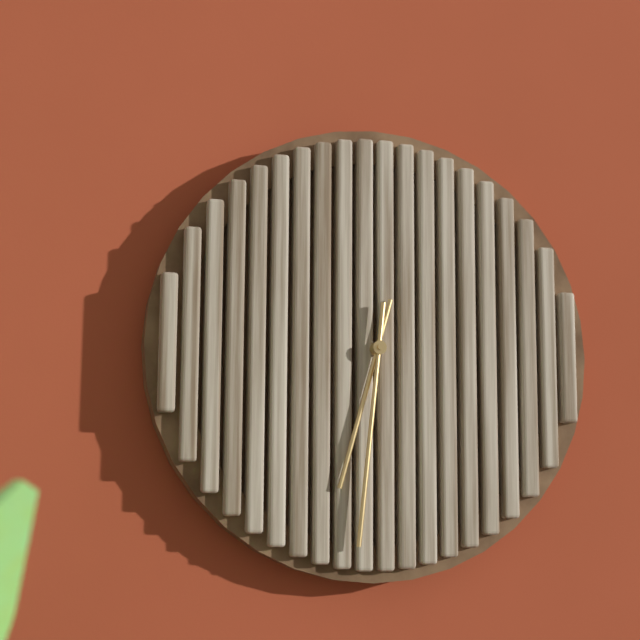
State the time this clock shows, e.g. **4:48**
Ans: **6:31**
